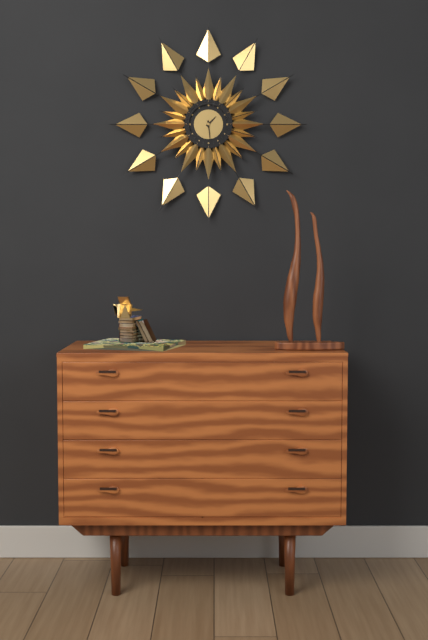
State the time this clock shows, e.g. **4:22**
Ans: **1:29**
